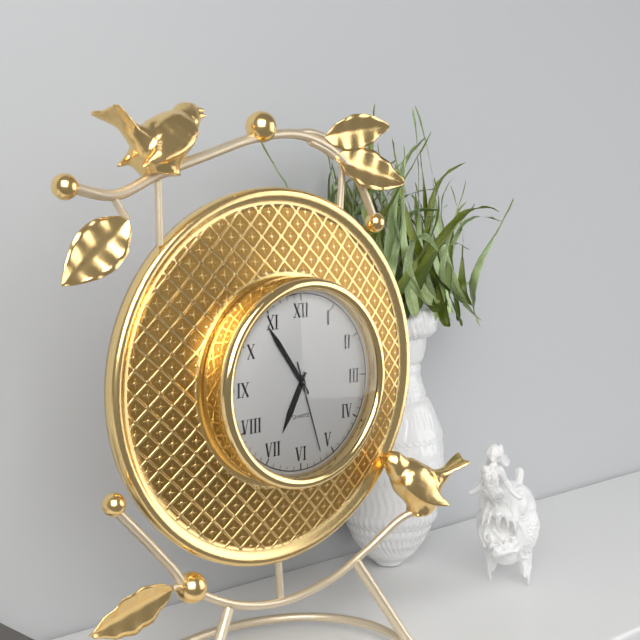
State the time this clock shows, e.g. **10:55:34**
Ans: **6:54:27**
